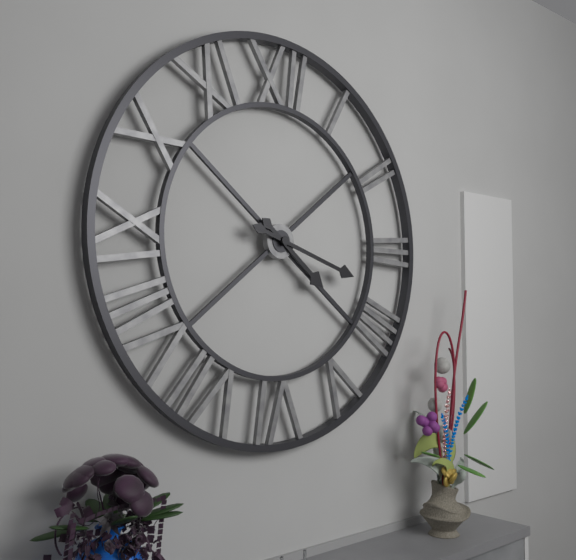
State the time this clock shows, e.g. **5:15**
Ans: **4:18**
